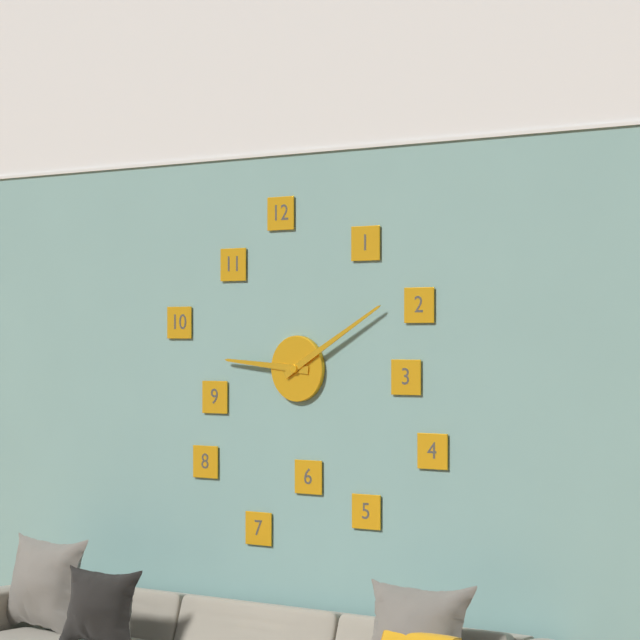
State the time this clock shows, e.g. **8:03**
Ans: **9:10**
